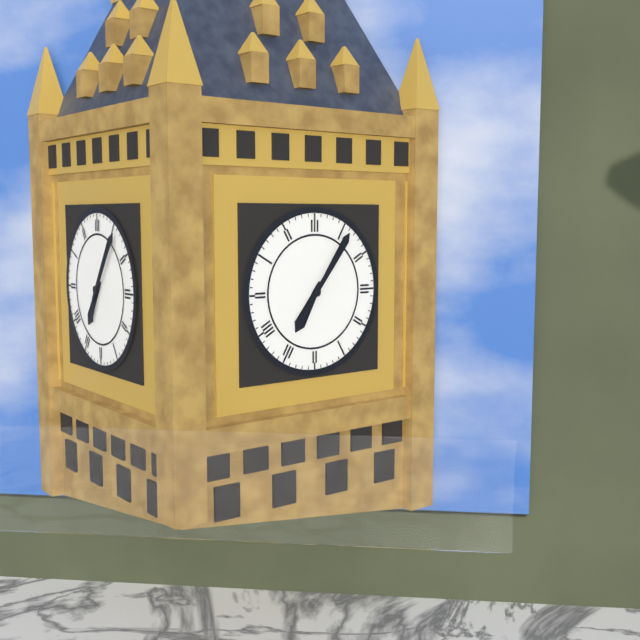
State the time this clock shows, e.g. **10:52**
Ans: **7:06**
